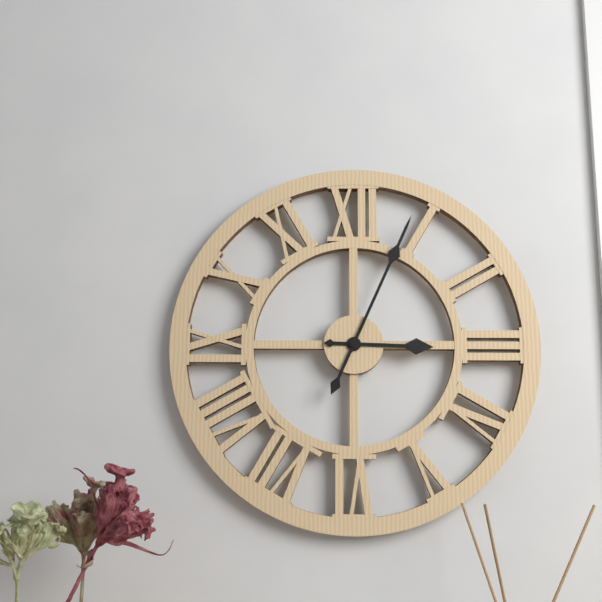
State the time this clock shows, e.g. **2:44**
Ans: **3:04**
